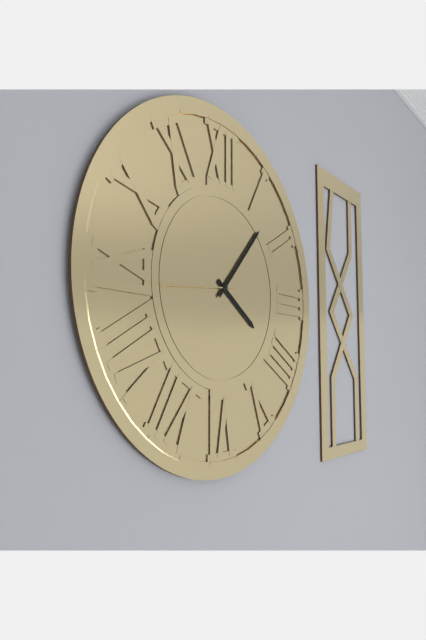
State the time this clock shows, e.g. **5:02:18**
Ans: **4:07:44**
